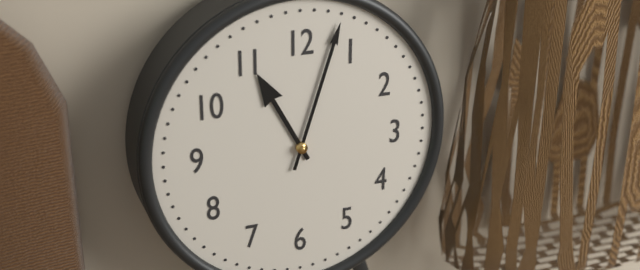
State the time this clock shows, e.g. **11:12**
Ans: **11:03**
